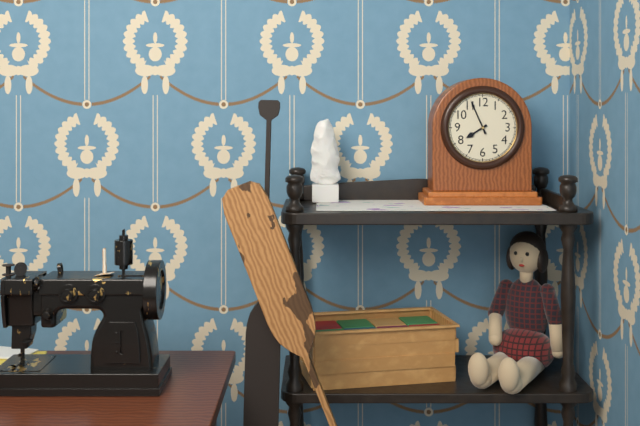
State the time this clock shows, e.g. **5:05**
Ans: **7:56**
